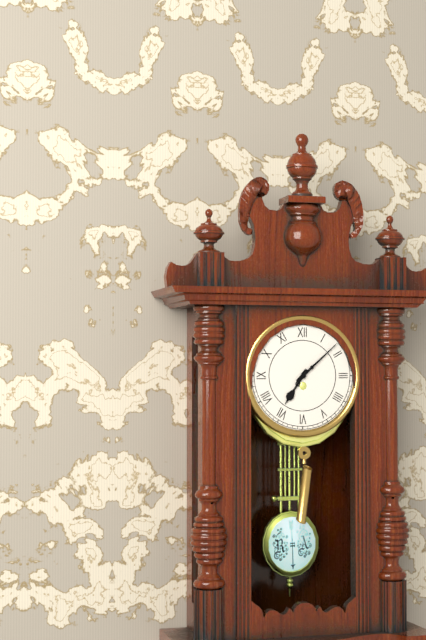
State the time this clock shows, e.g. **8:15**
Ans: **7:08**
